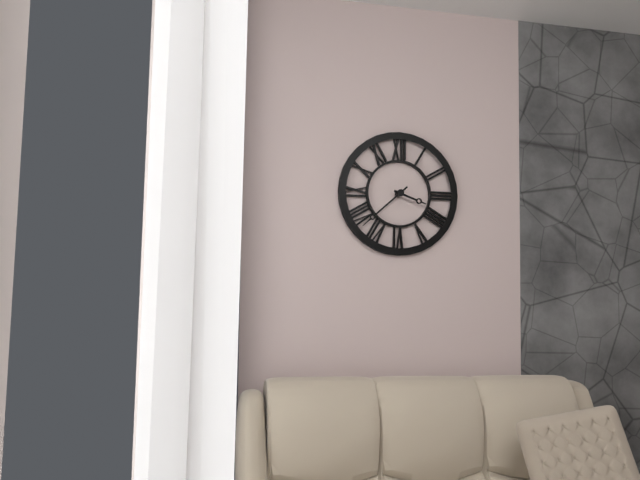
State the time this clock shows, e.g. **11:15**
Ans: **3:38**
